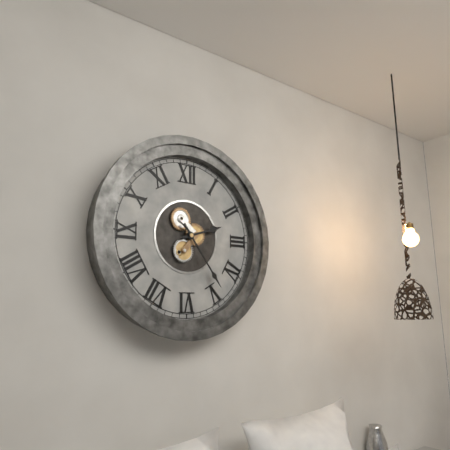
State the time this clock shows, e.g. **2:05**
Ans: **2:24**
